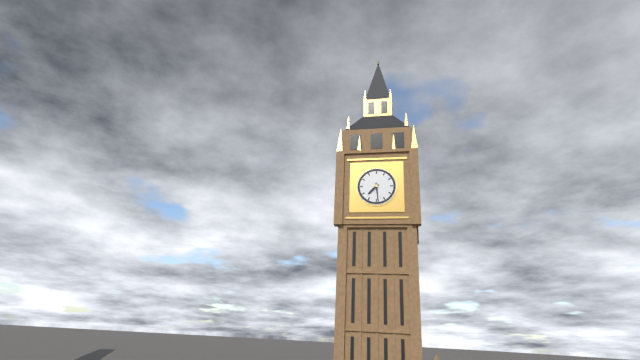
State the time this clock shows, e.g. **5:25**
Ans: **7:29**
